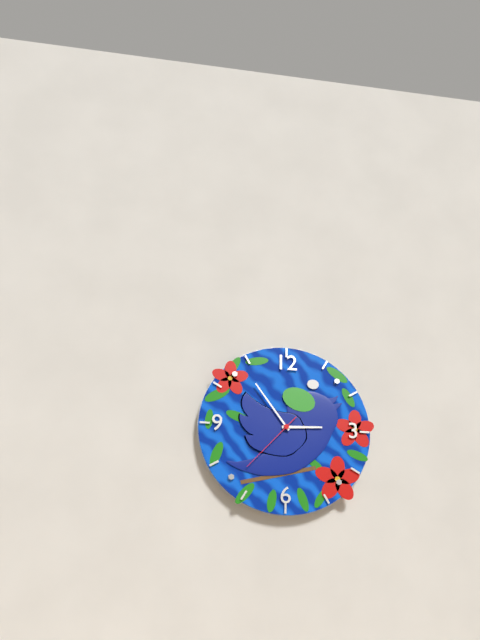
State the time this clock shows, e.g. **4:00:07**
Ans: **2:54:37**
